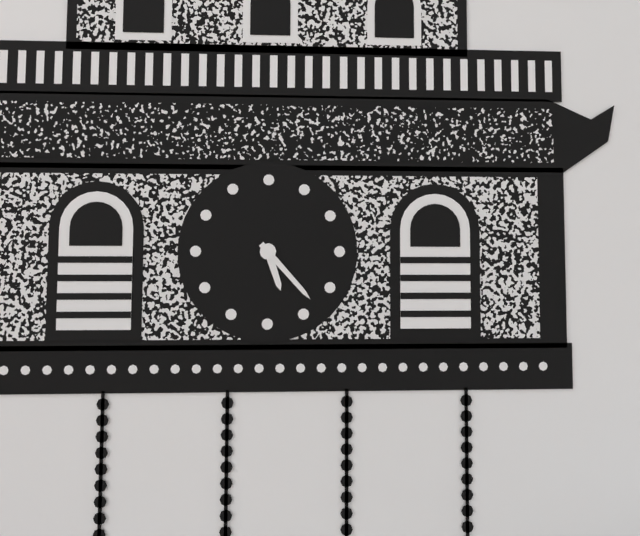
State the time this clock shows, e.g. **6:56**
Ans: **5:23**
